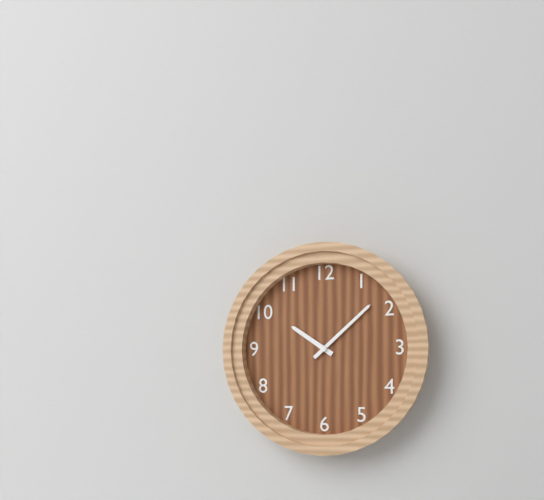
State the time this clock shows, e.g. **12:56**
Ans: **10:08**
